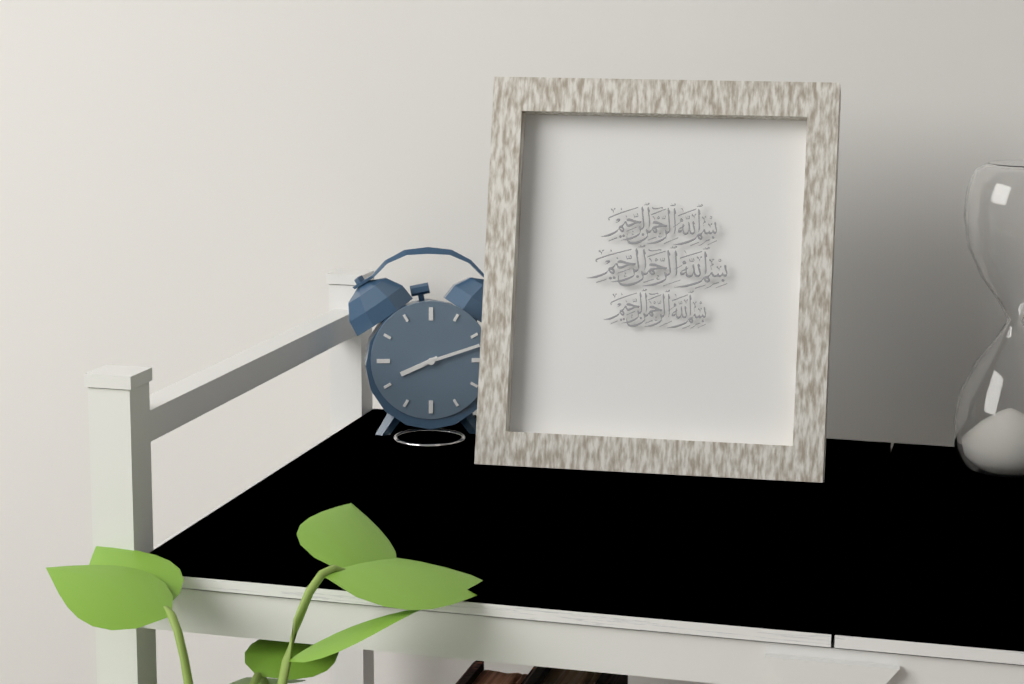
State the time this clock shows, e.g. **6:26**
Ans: **8:12**
